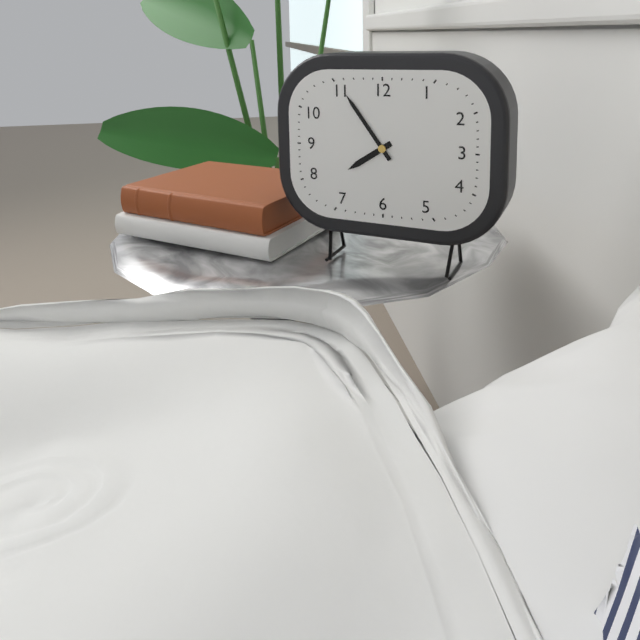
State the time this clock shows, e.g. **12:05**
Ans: **7:54**
